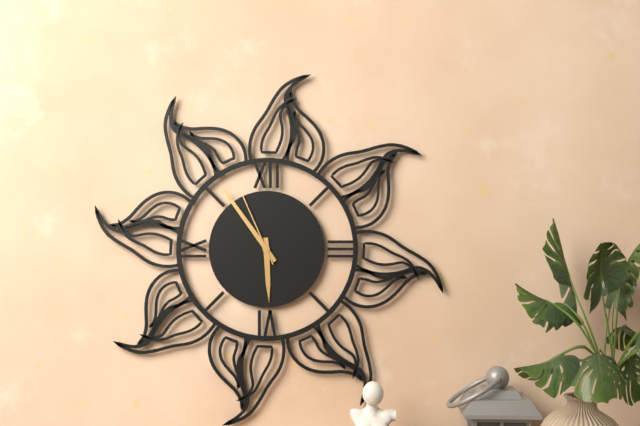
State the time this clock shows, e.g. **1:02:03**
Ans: **5:54:56**
